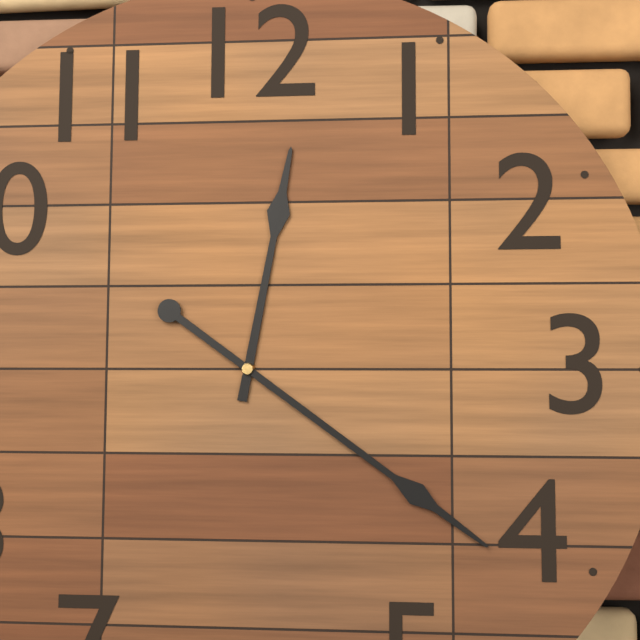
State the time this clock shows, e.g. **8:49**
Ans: **12:21**
